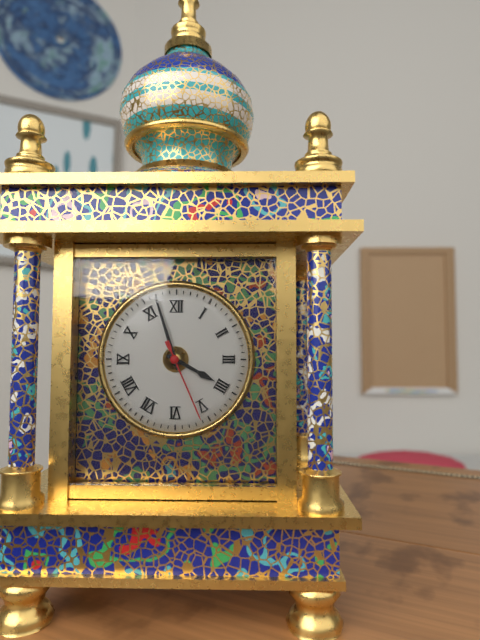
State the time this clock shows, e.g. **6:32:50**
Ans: **3:57:26**
